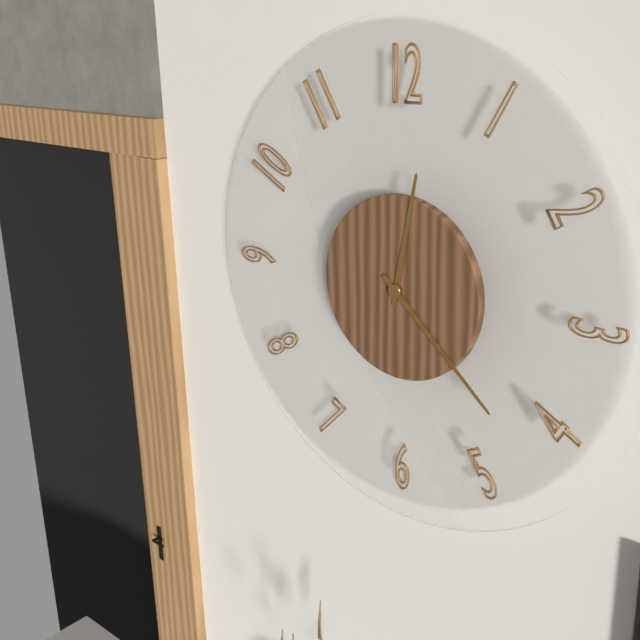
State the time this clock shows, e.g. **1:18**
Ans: **12:22**
